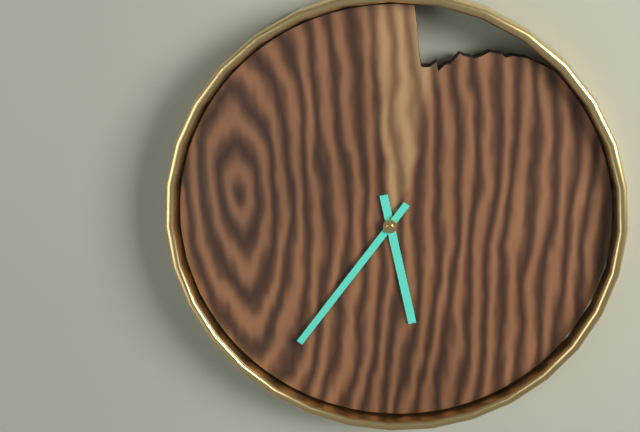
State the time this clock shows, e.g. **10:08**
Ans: **5:36**
